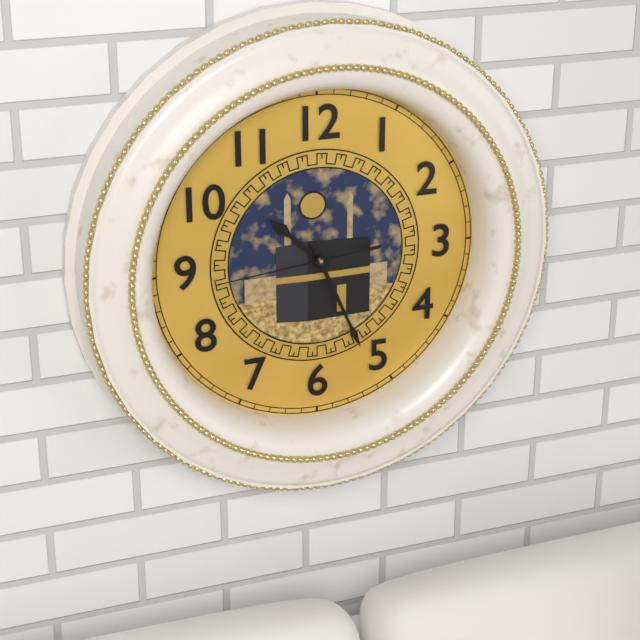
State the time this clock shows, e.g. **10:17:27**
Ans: **10:26:44**
